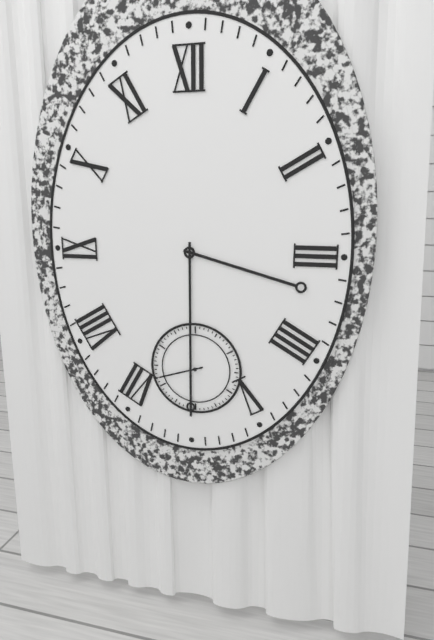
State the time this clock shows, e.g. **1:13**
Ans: **3:30**
